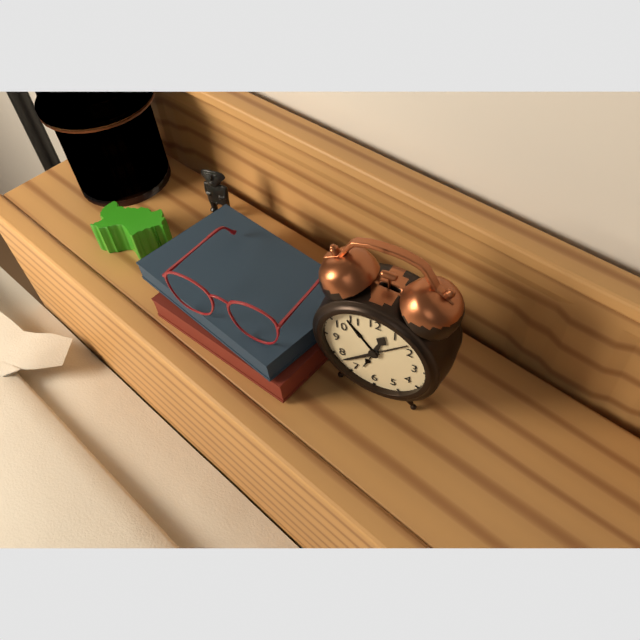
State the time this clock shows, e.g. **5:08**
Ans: **12:38**
